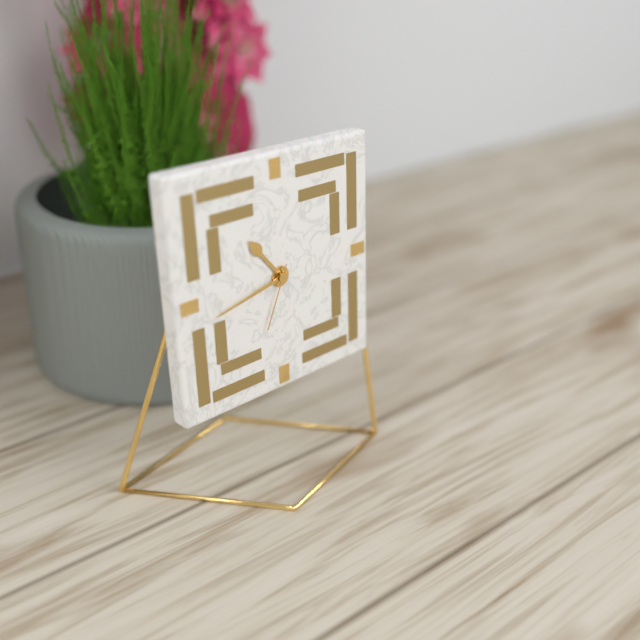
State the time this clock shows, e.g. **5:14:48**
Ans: **10:43:34**
